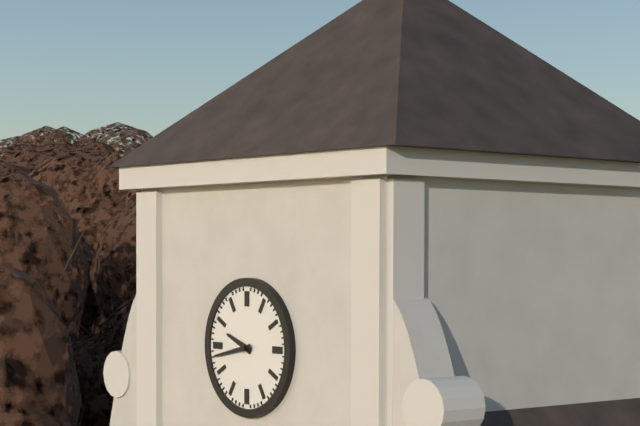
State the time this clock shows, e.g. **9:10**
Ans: **9:43**
